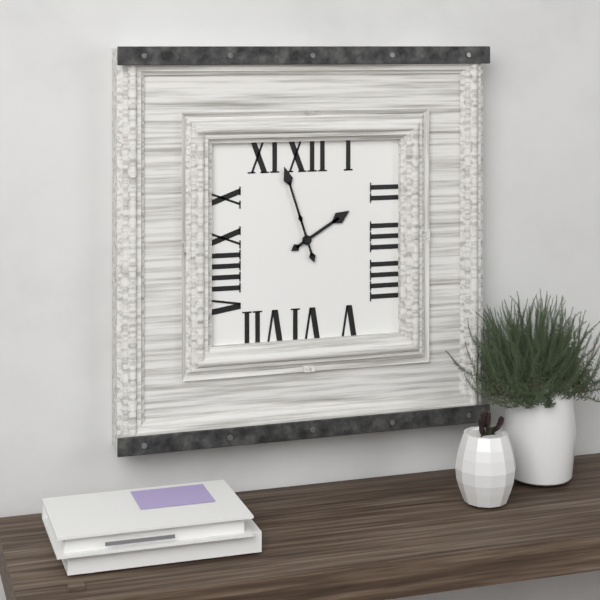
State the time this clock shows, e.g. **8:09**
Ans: **1:57**
